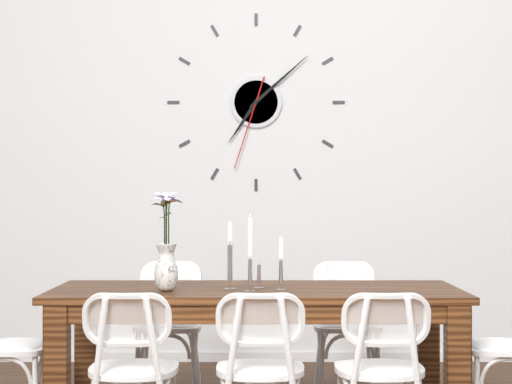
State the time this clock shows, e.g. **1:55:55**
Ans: **7:08:33**
